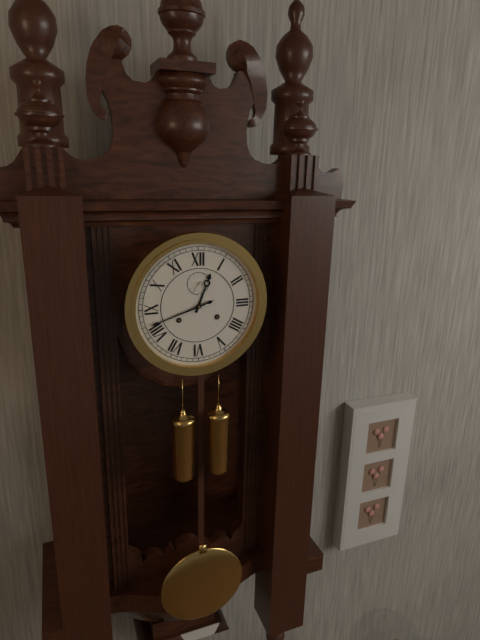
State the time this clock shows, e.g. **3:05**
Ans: **12:42**
